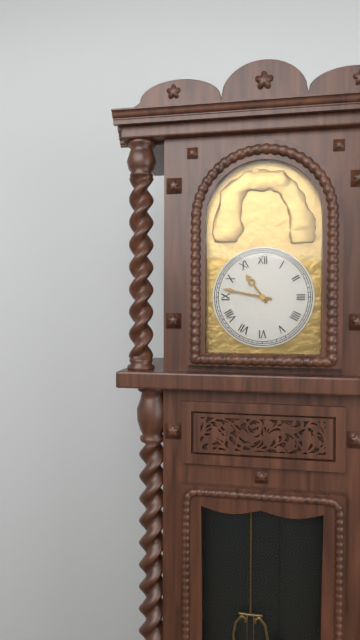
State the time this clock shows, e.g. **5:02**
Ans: **10:47**
